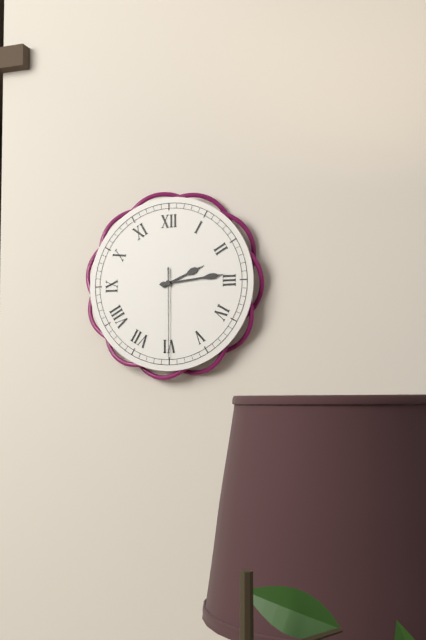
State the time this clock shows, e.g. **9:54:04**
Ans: **2:14:30**
